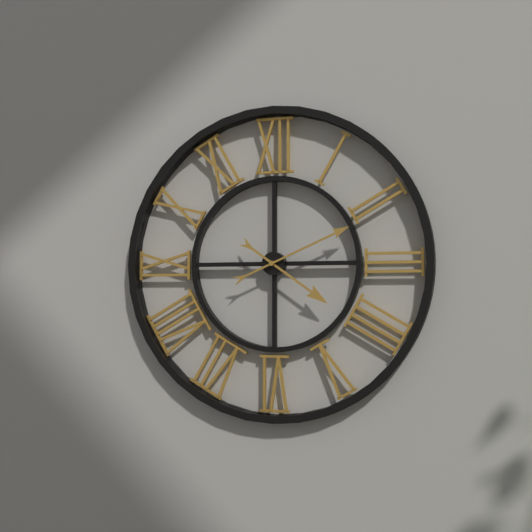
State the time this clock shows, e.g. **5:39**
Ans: **4:11**
